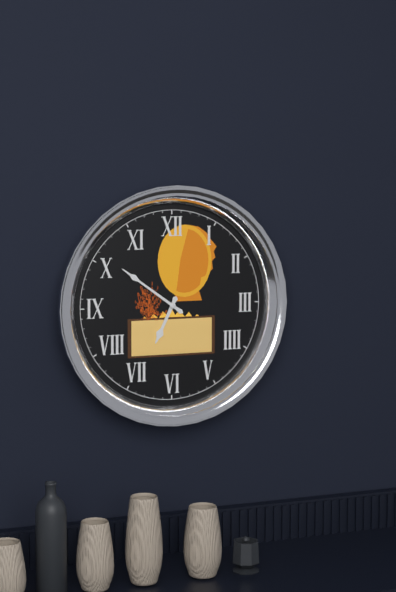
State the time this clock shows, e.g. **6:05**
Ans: **6:51**
